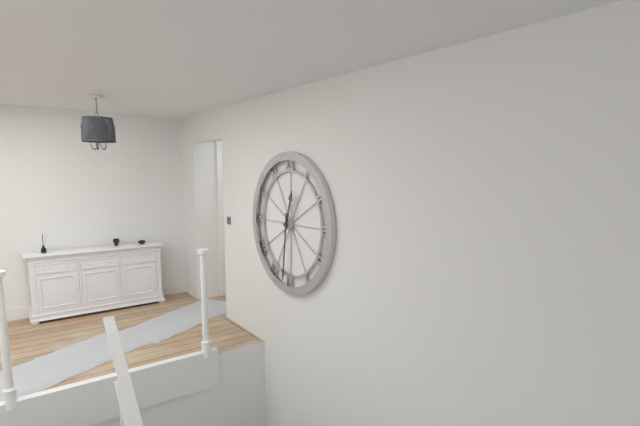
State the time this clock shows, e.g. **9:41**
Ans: **12:31**
